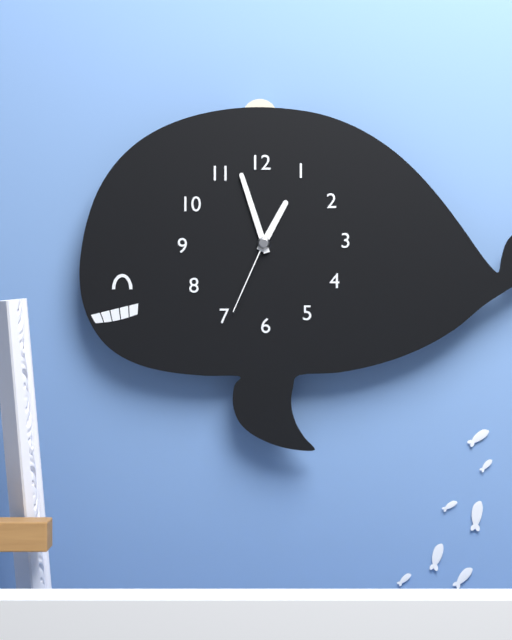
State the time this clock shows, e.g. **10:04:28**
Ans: **12:57:34**
